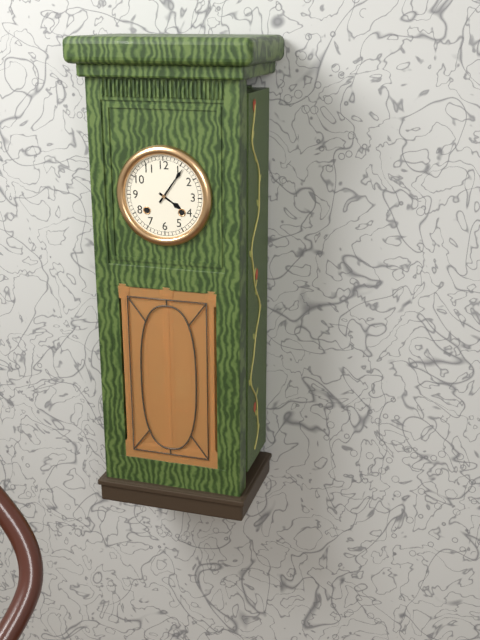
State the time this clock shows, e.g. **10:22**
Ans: **4:06**
